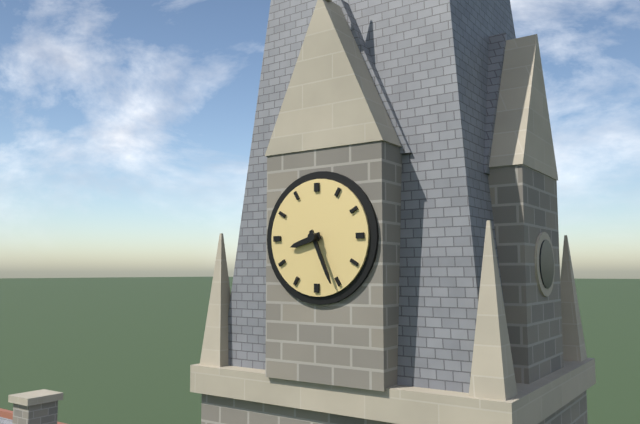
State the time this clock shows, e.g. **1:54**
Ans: **8:26**
